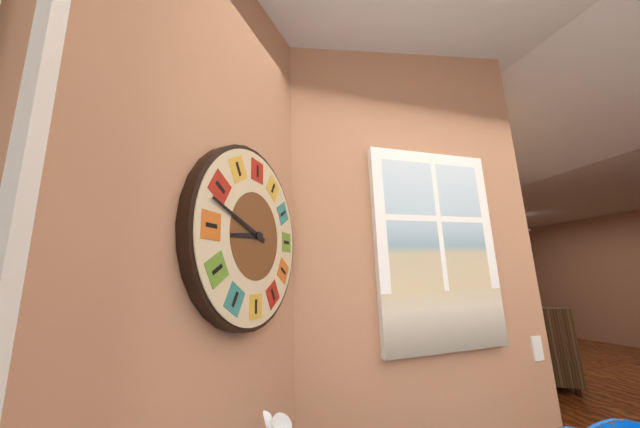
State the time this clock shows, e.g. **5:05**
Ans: **8:48**
